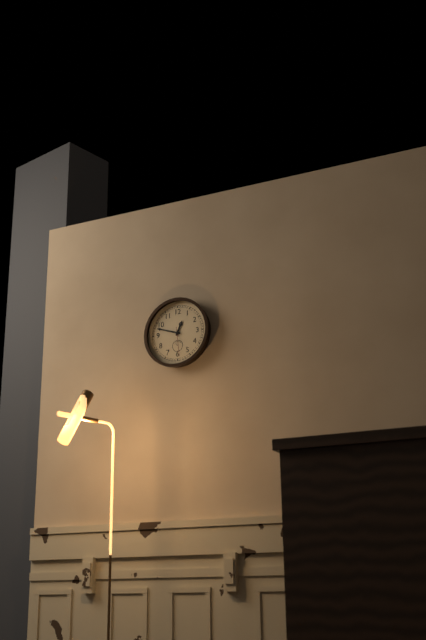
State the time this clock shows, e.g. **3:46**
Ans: **12:48**
